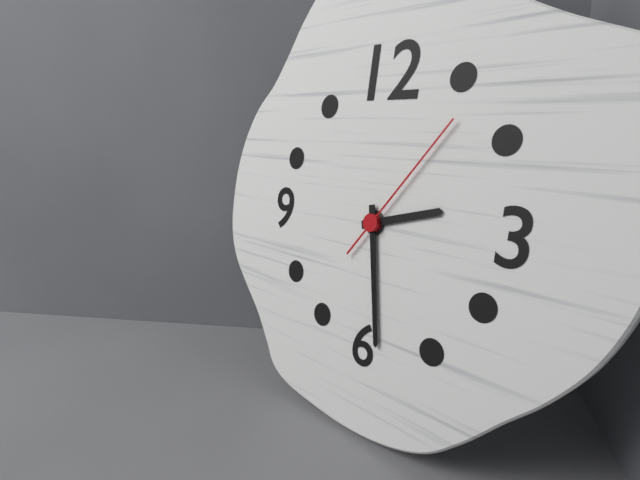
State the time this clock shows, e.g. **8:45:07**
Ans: **2:28:06**
